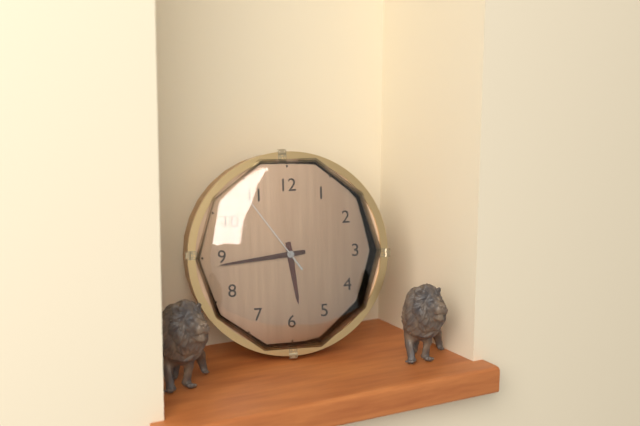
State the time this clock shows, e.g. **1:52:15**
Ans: **5:44:54**
